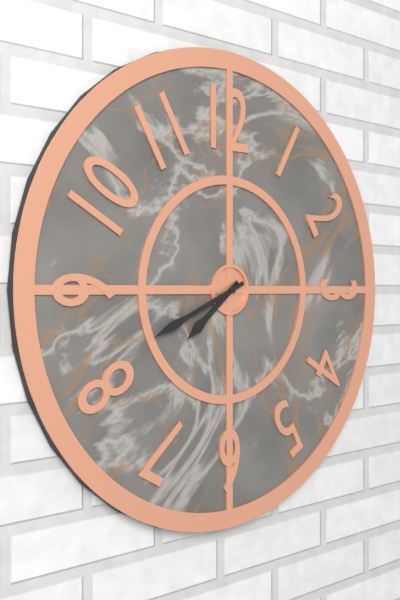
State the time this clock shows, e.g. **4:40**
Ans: **7:41**
